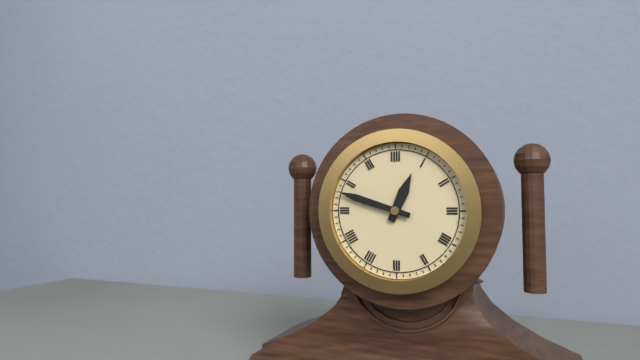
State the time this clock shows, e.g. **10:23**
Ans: **12:48**
